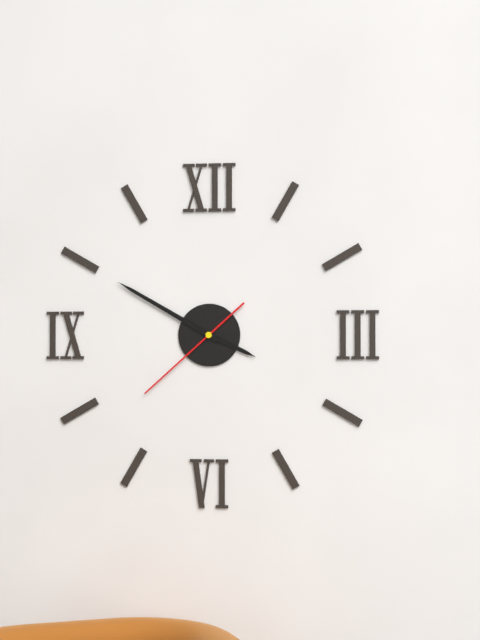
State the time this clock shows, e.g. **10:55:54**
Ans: **3:50:38**
